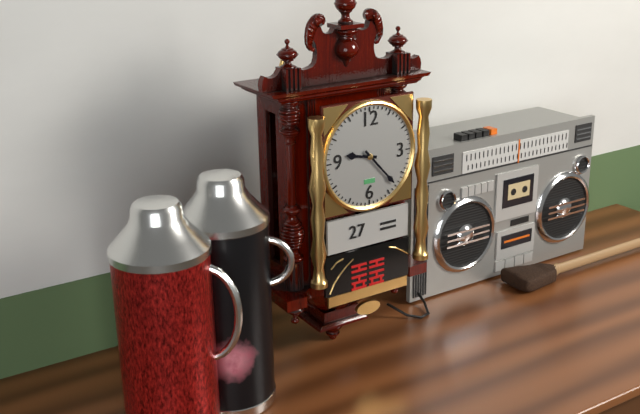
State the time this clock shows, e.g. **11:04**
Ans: **9:23**
